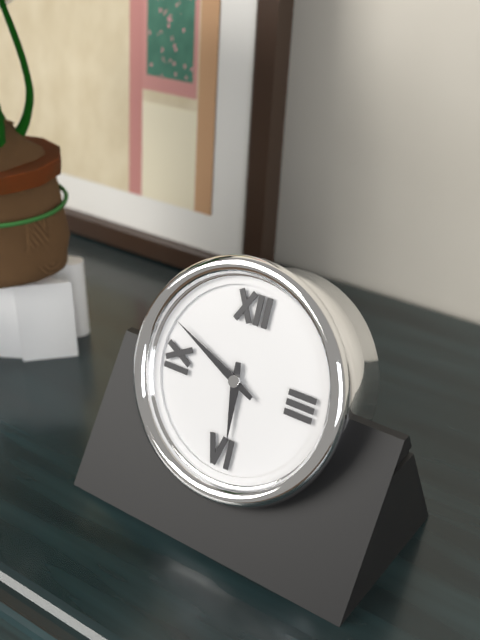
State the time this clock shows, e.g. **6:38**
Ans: **5:49**
